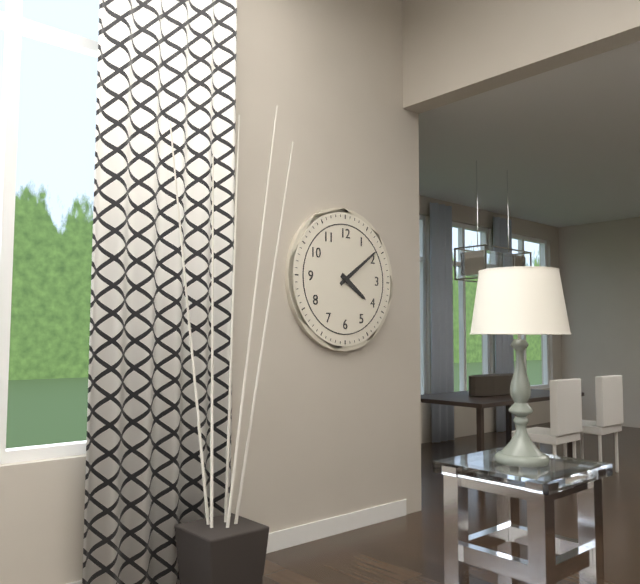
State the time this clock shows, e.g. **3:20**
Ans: **4:09**
